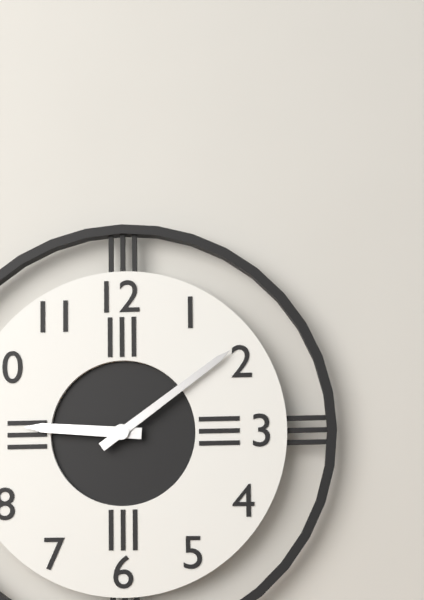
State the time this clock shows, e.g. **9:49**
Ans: **9:09**
